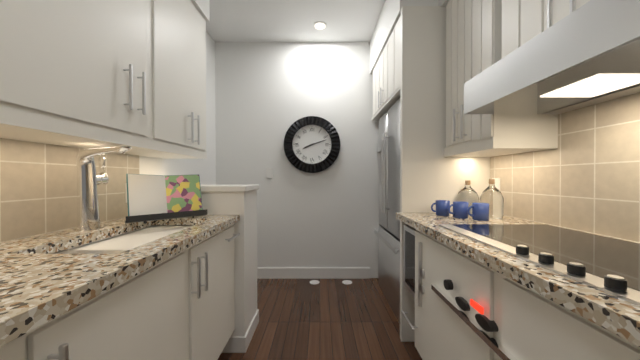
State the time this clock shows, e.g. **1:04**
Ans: **8:12**
